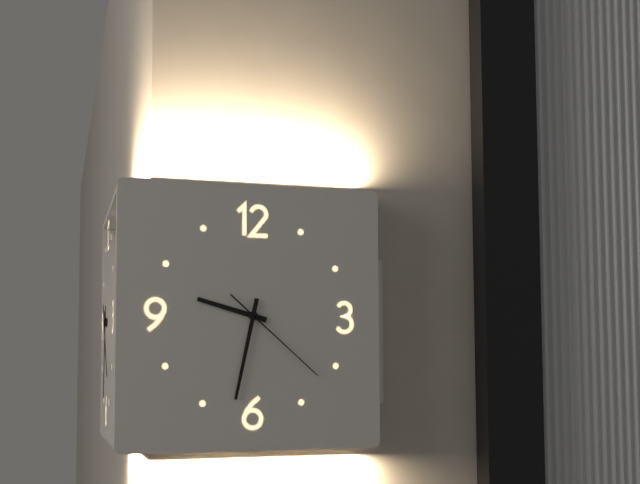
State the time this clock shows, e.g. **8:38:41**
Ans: **9:32:22**
